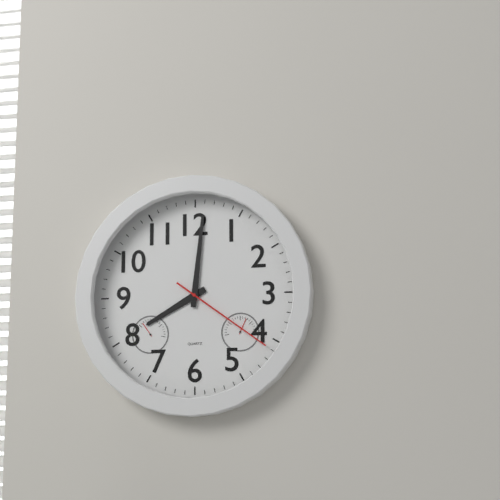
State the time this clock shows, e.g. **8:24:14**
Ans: **8:01:21**
